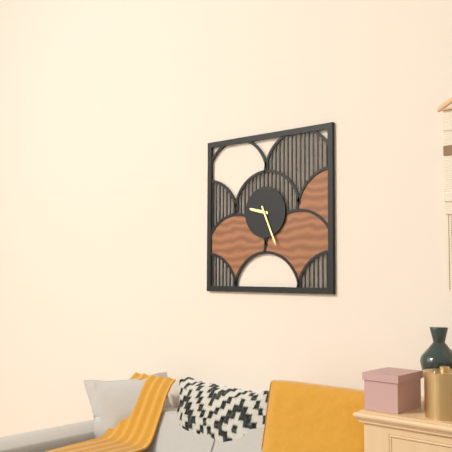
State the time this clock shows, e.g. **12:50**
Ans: **9:26**
